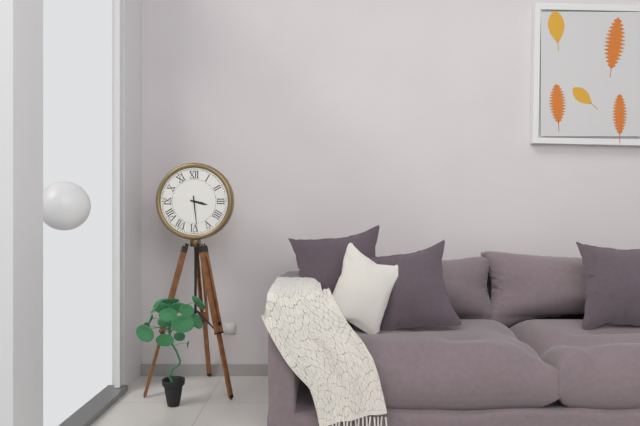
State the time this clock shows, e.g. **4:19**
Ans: **3:29**
